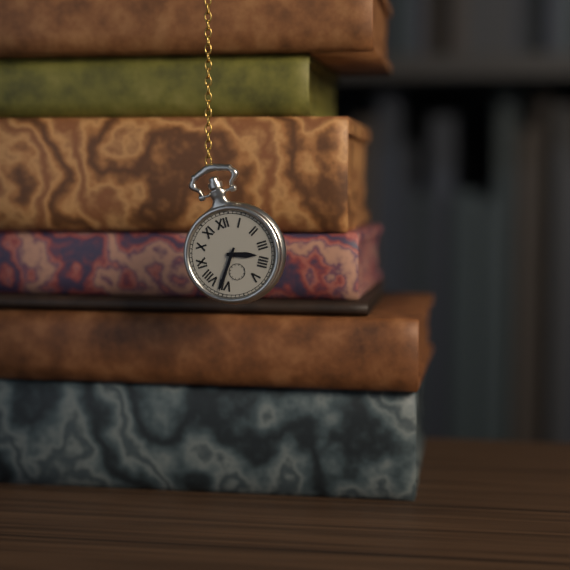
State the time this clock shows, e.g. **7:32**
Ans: **3:36**
